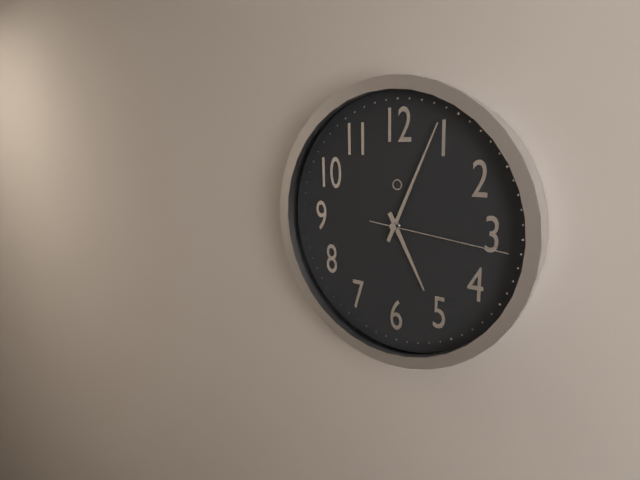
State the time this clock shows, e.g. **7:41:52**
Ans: **5:04:16**
